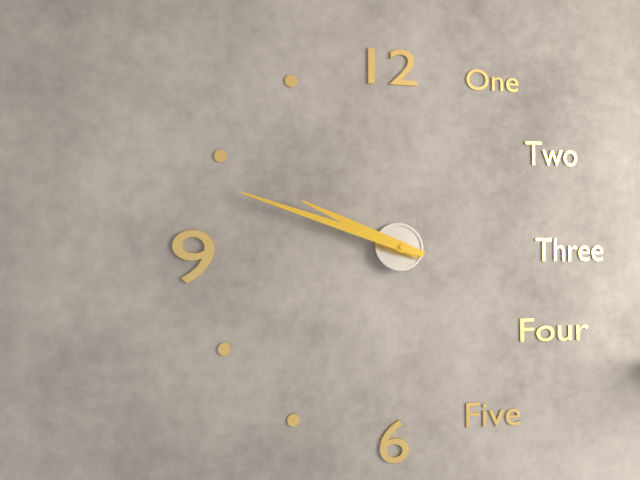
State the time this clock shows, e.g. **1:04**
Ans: **9:48**
